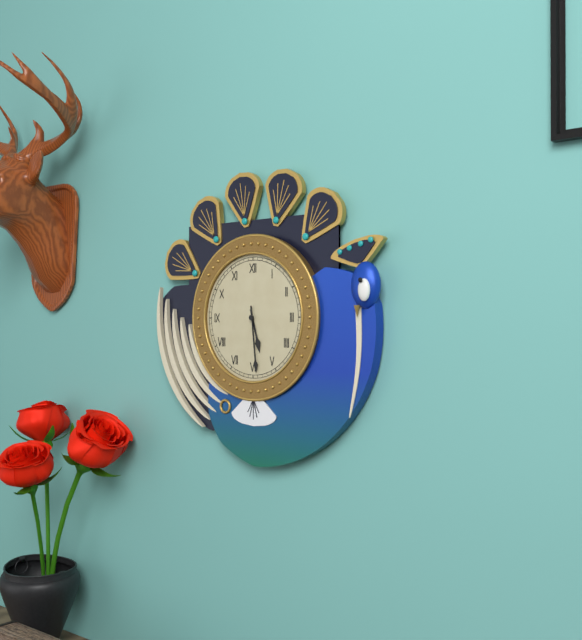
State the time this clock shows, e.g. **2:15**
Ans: **5:29**
